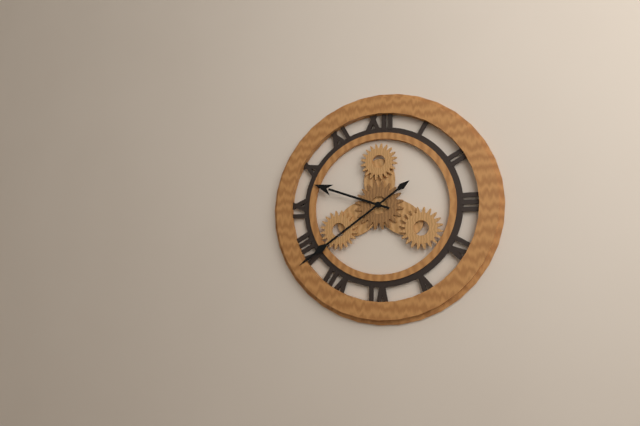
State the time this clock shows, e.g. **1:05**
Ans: **9:39**
